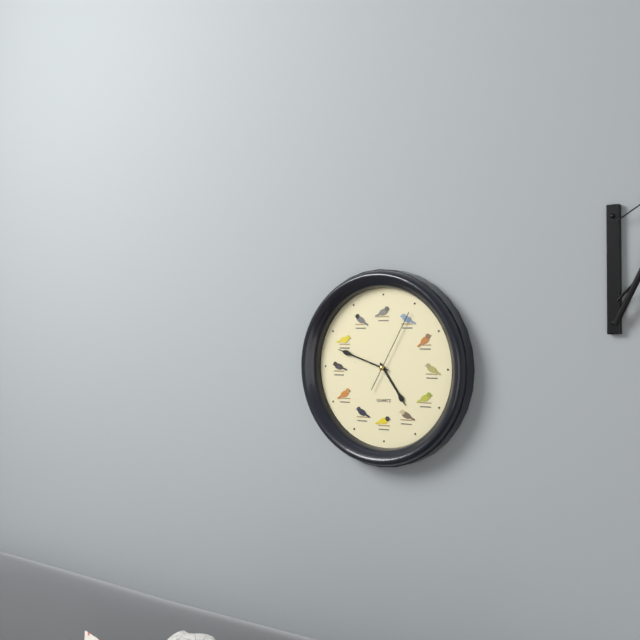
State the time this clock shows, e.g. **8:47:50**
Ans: **4:48:05**
